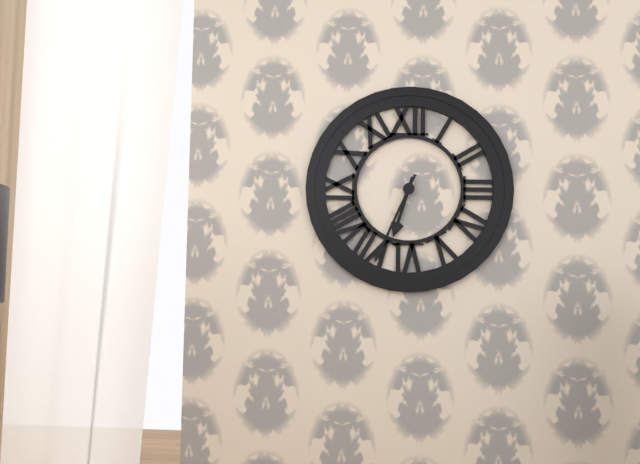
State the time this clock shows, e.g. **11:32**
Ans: **6:34**
